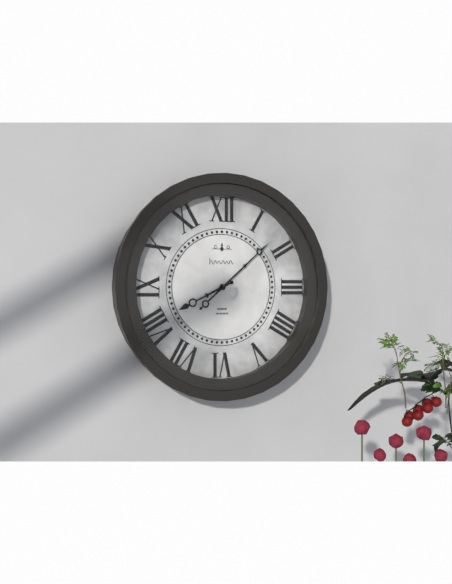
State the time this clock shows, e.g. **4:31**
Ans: **8:08**
